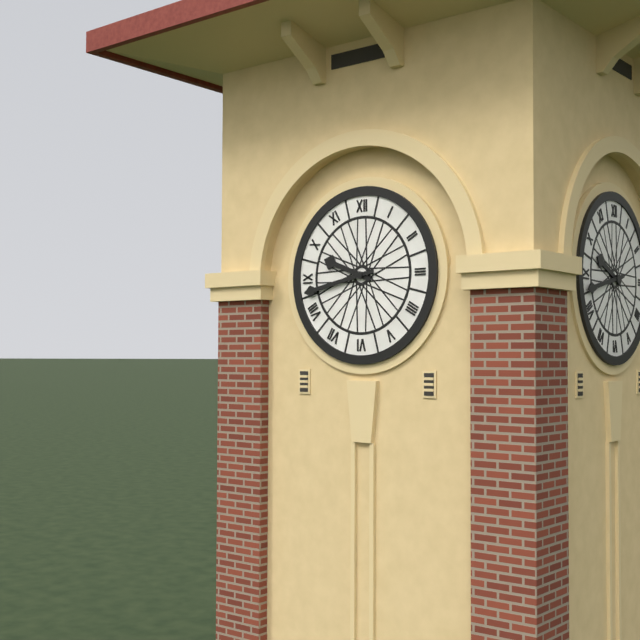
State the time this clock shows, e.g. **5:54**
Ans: **9:43**
